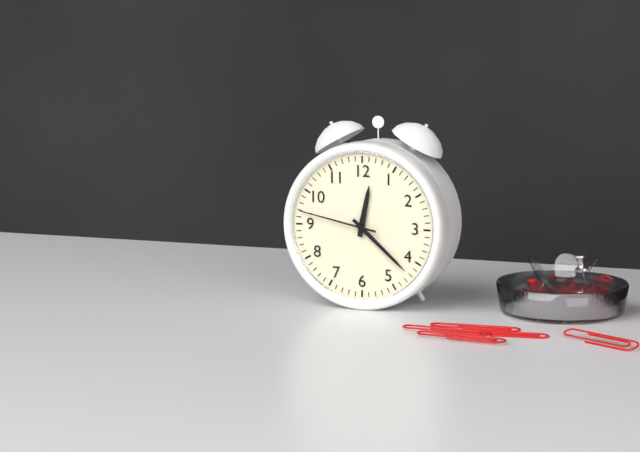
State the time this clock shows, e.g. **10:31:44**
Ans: **12:22:47**
